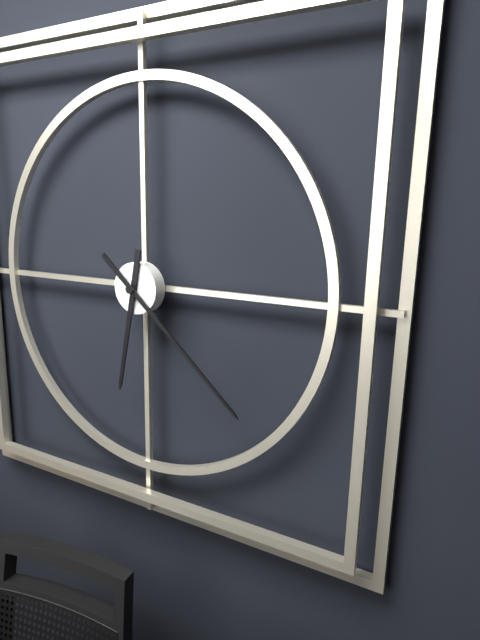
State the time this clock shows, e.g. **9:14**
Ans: **6:22**
